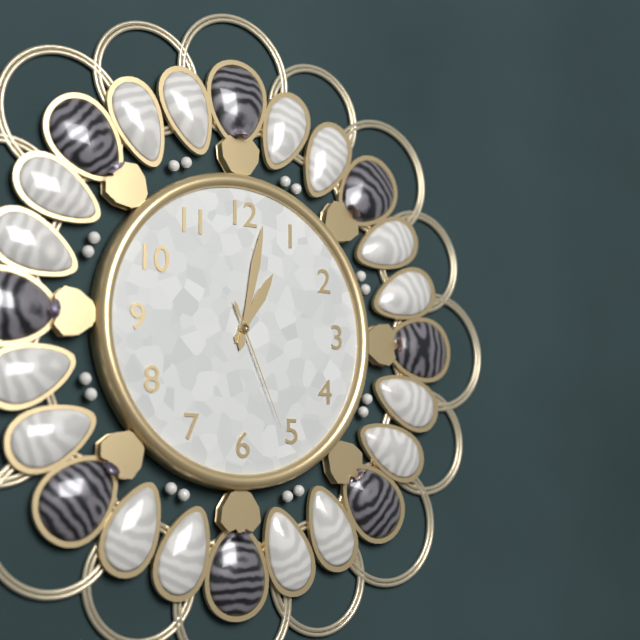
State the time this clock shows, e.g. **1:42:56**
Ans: **1:02:26**
